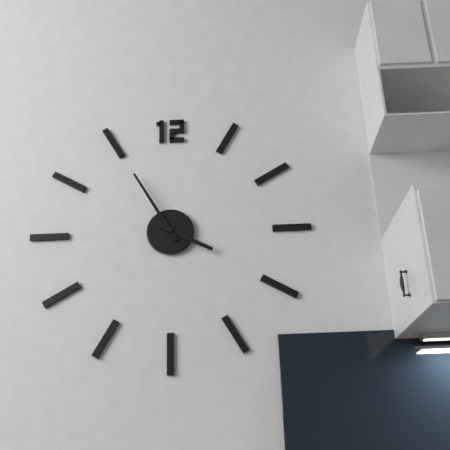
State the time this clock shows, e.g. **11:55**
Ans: **3:55**
